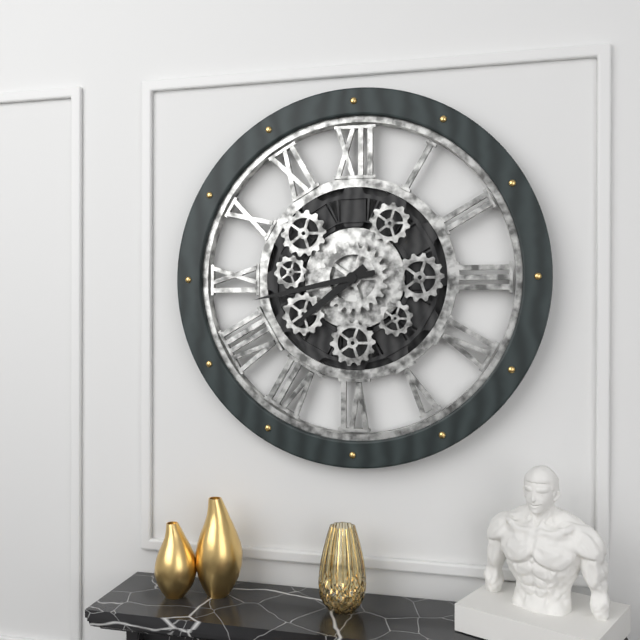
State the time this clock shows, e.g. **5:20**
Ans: **7:43**
